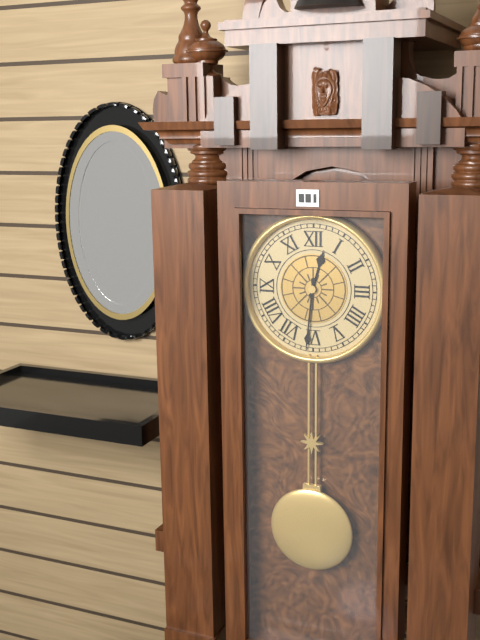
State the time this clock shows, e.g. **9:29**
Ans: **12:31**
